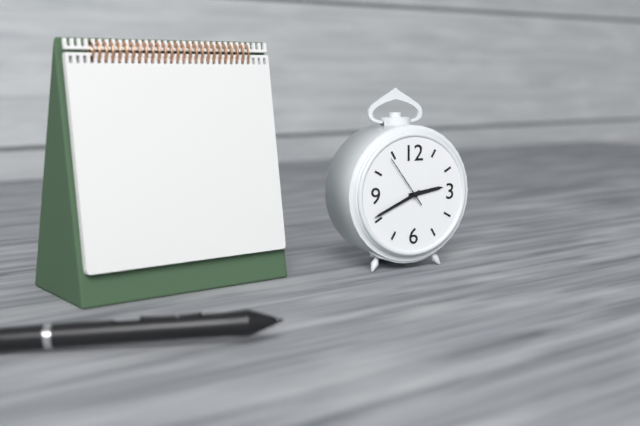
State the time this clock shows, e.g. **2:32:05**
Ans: **2:41:54**
